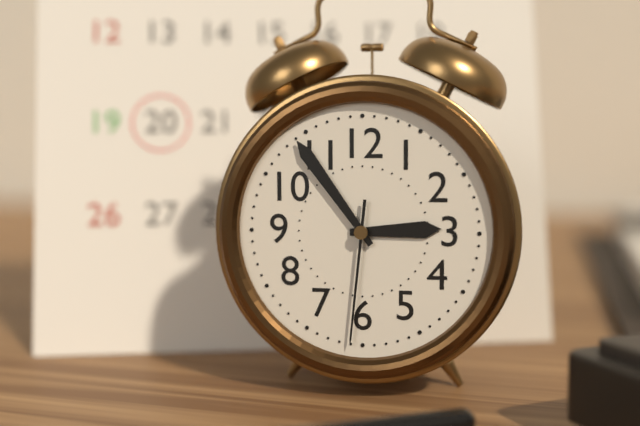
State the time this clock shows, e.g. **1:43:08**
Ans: **2:54:31**
